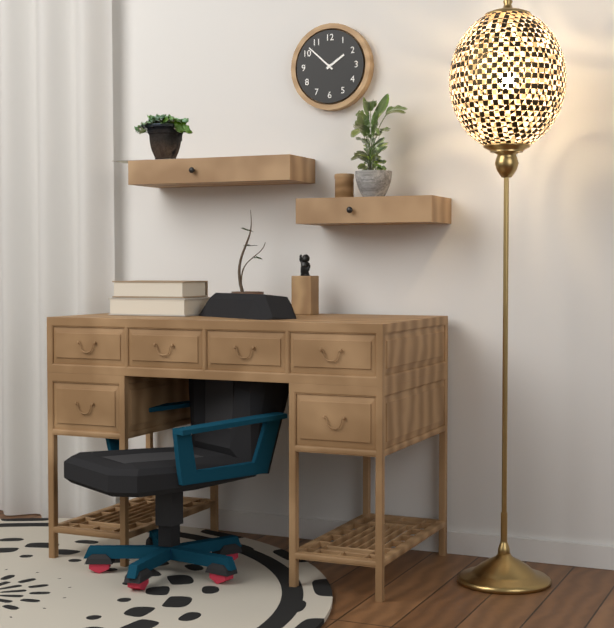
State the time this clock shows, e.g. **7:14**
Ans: **1:52**
